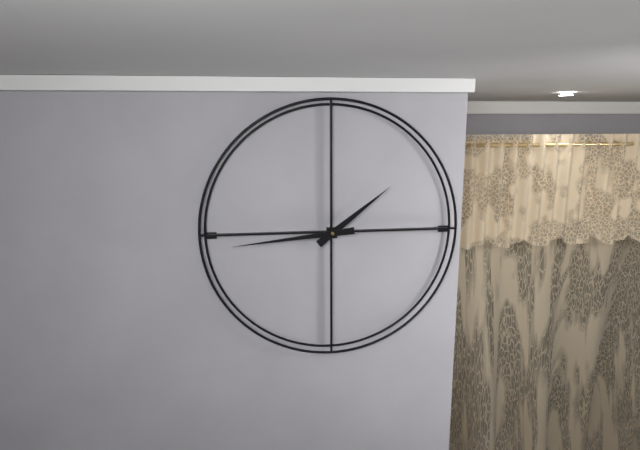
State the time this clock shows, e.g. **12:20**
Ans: **1:44**
